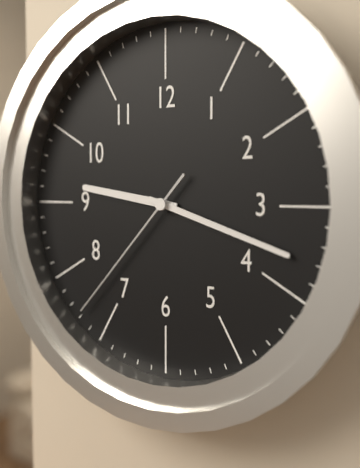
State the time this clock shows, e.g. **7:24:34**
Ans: **9:18:37**
